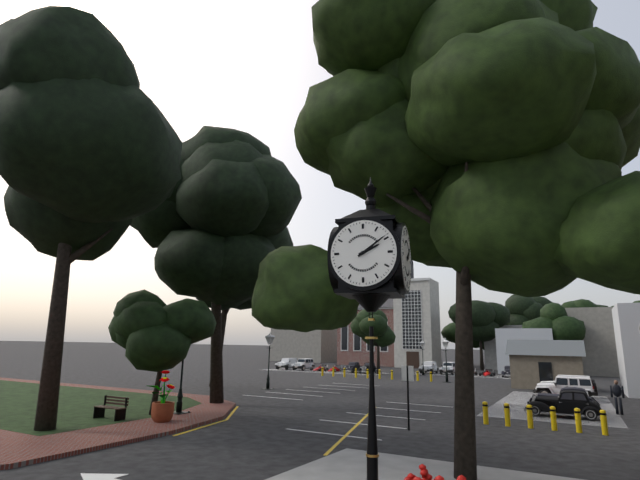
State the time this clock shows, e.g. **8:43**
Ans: **2:09**
